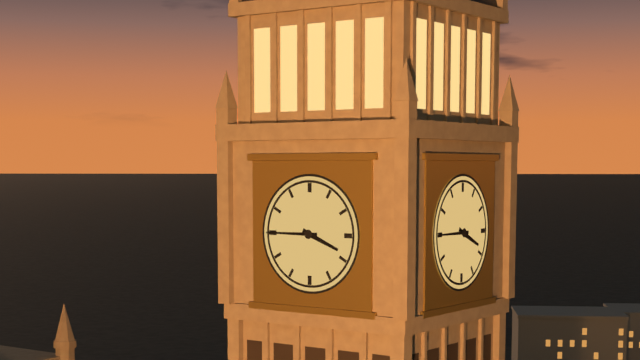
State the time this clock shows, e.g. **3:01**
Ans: **3:45**
